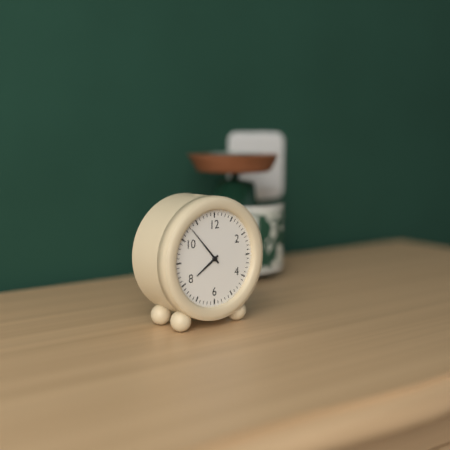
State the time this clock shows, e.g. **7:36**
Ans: **7:53**
